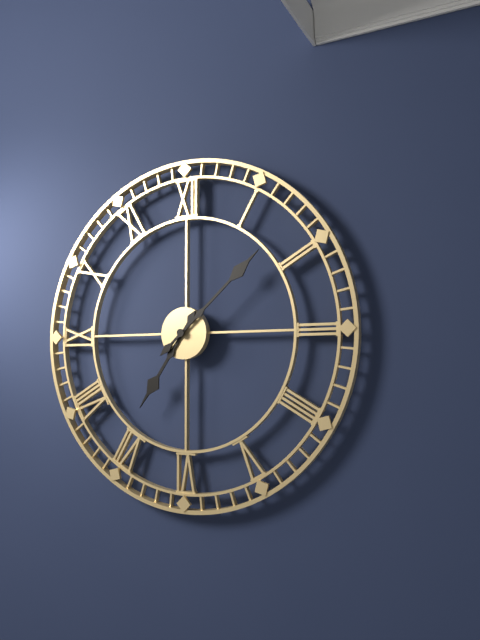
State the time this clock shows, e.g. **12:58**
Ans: **7:08**
